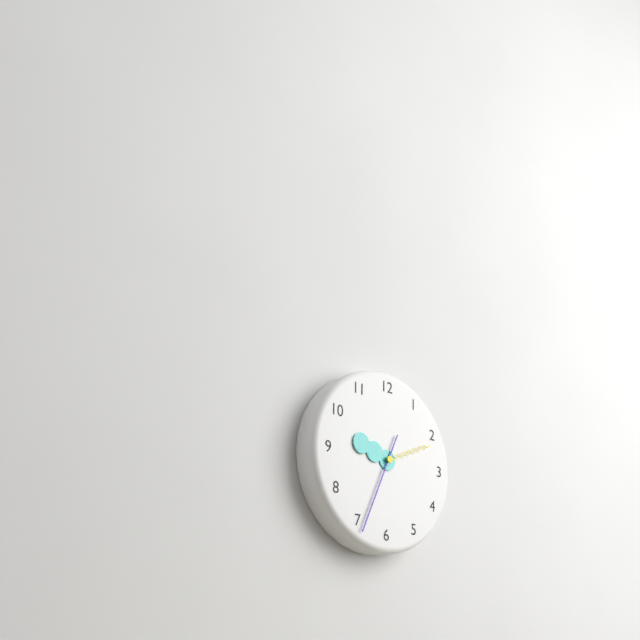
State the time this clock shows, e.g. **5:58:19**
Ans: **9:34:11**
